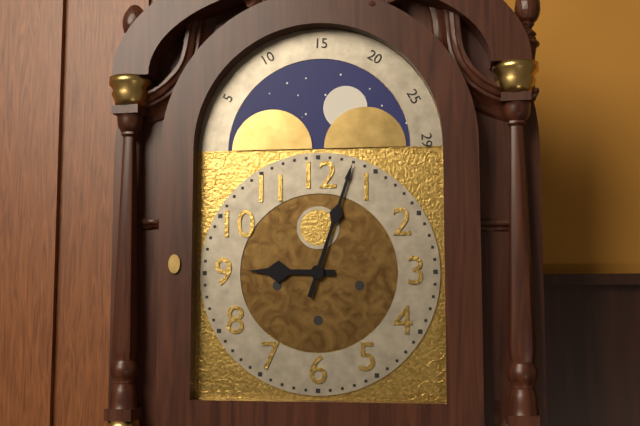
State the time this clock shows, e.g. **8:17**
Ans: **9:03**
